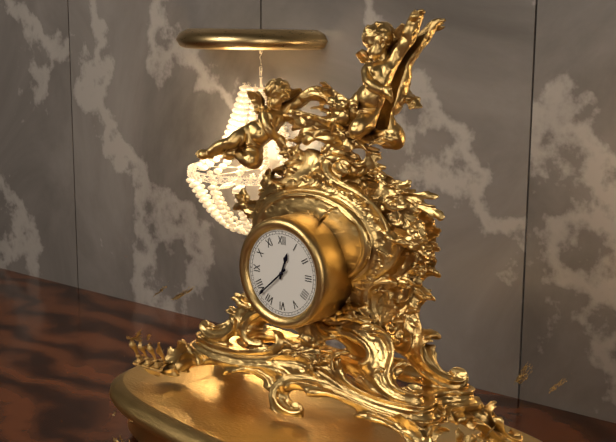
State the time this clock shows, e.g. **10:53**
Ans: **12:38**
